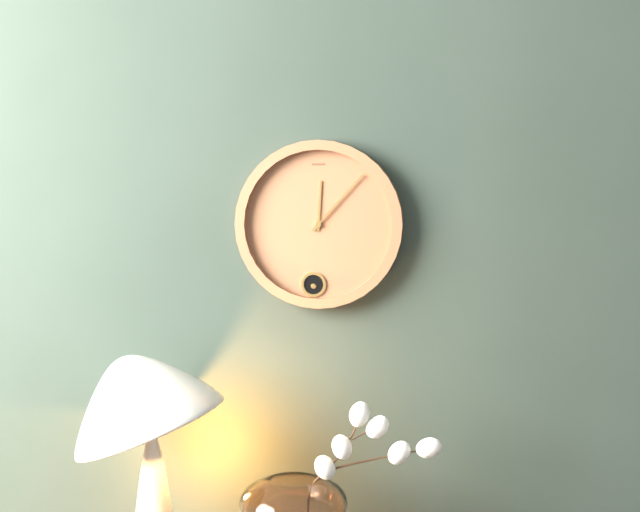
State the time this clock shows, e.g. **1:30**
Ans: **12:07**
